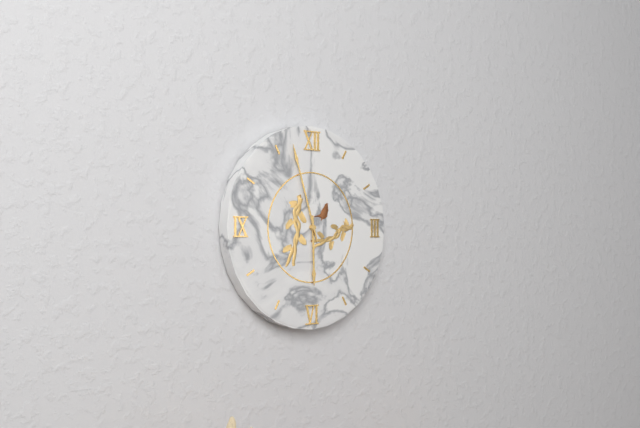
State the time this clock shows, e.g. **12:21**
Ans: **5:57**
